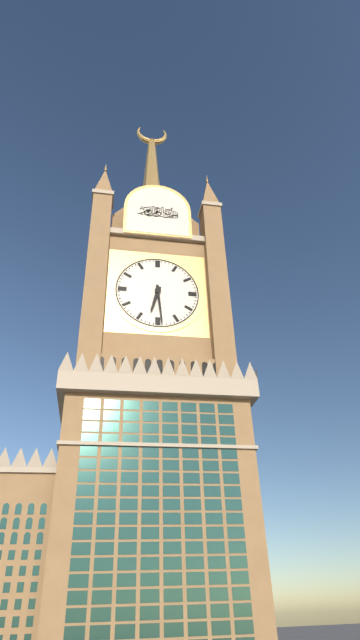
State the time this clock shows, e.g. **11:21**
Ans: **6:29**
